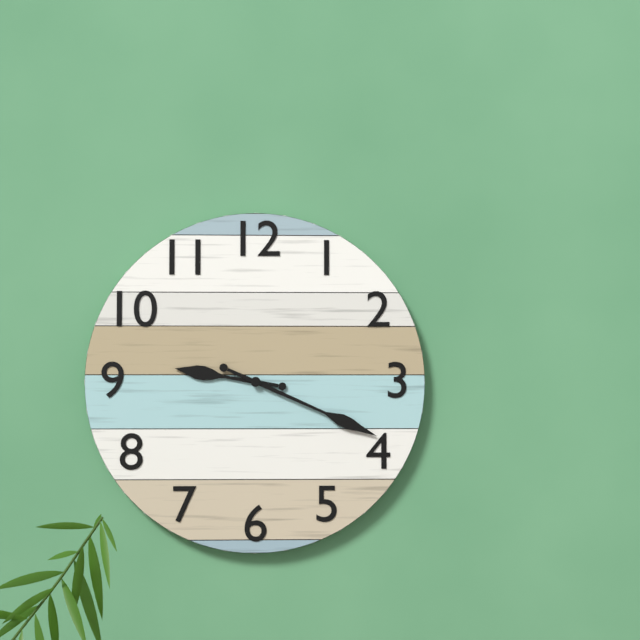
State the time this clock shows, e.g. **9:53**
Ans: **9:19**
